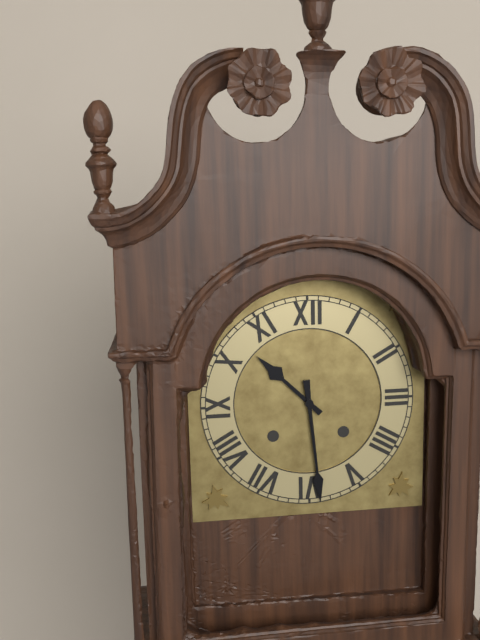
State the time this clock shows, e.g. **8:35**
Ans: **10:29**
